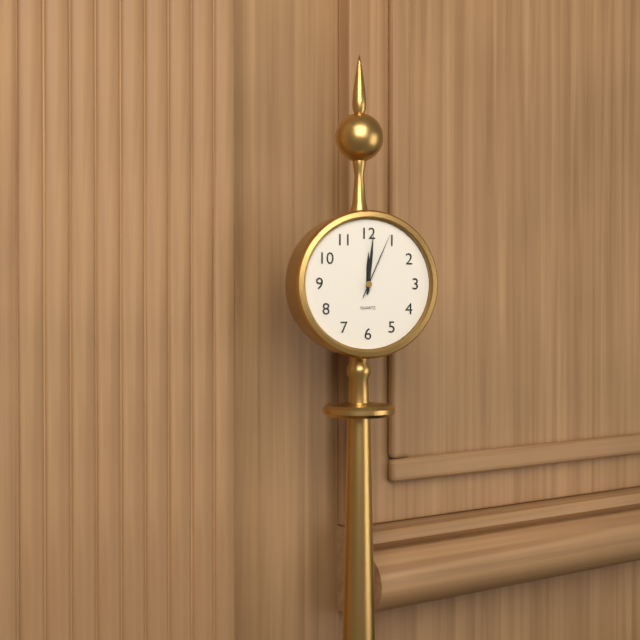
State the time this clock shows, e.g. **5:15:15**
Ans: **12:01:04**
